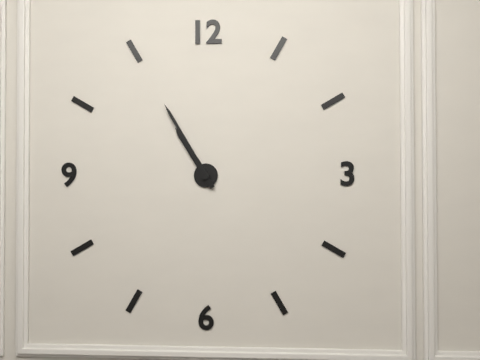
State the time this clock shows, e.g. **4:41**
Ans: **10:55**
